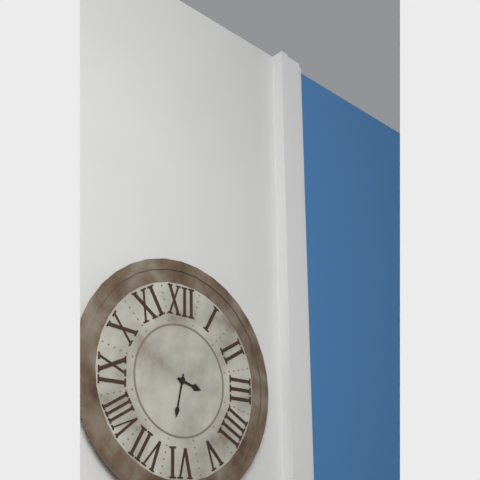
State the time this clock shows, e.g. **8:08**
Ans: **3:32**
